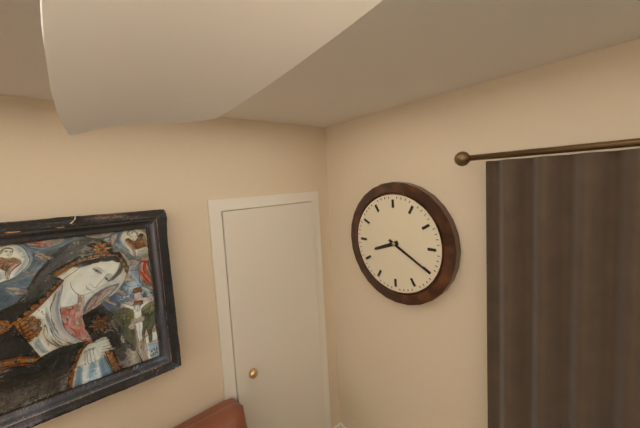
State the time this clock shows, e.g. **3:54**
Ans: **8:20**
